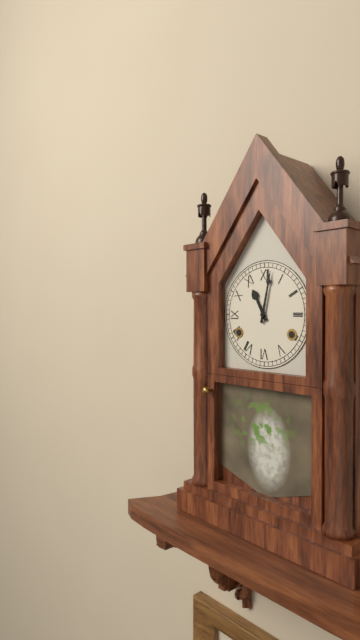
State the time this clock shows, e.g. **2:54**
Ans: **11:02**
